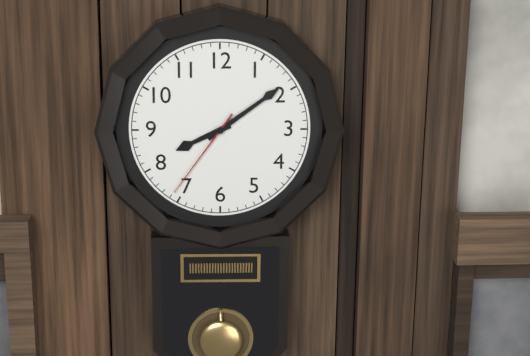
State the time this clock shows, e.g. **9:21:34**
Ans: **8:09:36**
